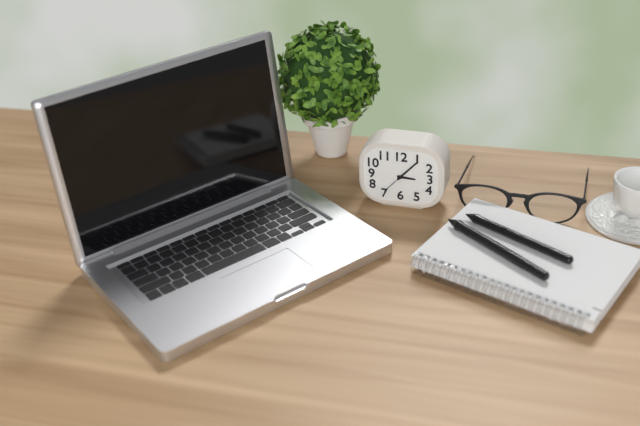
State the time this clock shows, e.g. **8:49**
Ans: **3:07**
